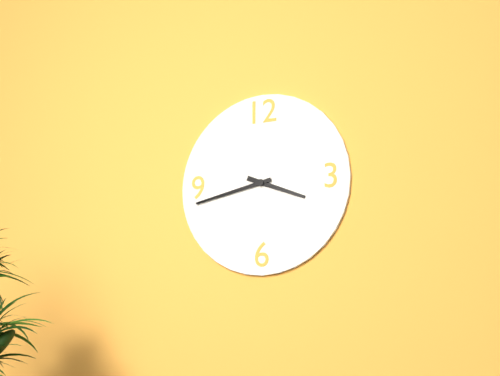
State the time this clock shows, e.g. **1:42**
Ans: **3:43**
